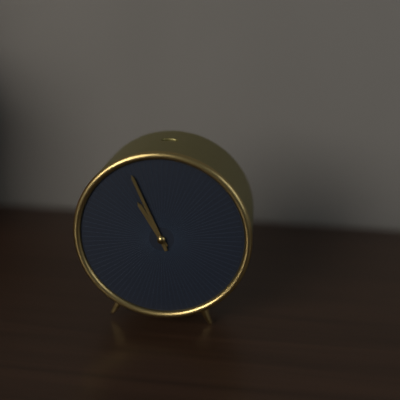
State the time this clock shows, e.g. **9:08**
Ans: **10:56**
